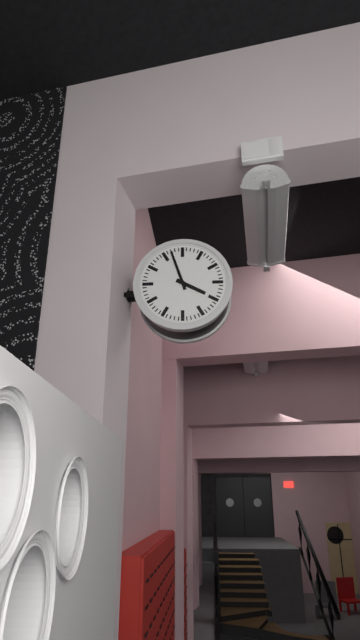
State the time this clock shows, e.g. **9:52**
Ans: **3:57**
